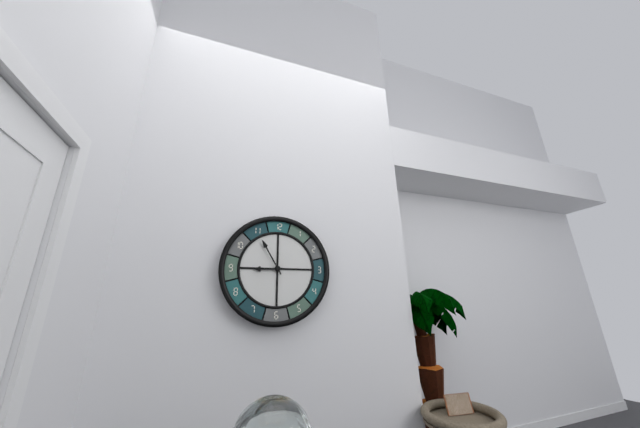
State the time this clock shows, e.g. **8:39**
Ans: **8:55**
